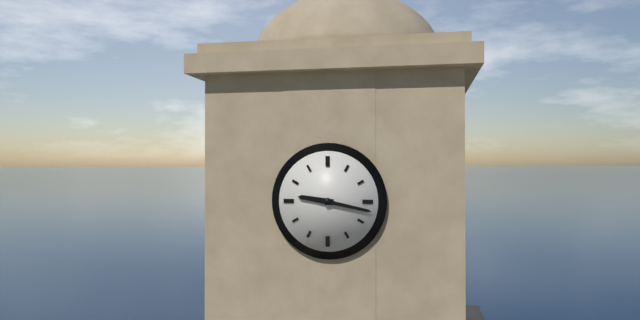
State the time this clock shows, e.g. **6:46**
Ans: **9:17**
